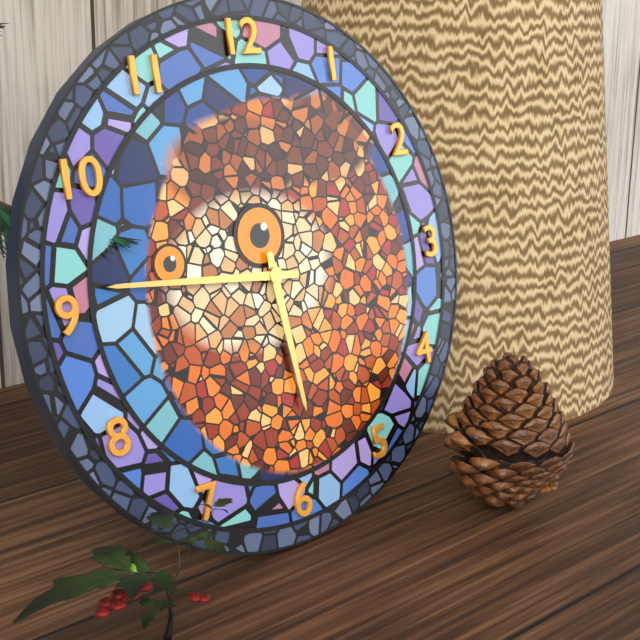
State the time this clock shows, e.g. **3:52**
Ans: **5:46**
